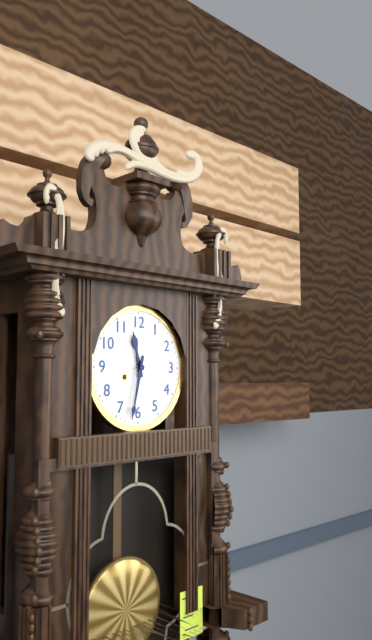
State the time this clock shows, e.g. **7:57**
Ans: **11:32**
